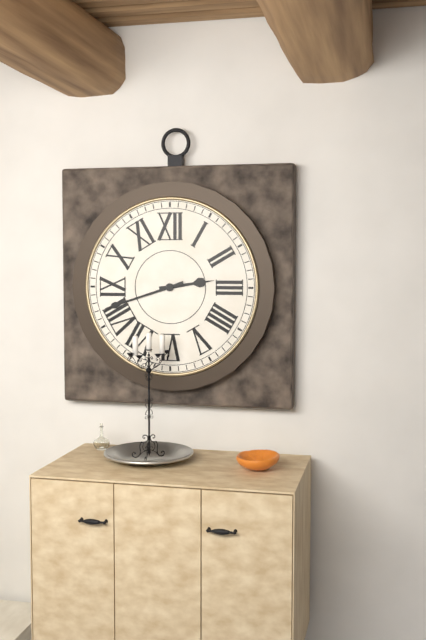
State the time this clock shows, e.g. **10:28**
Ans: **2:42**
